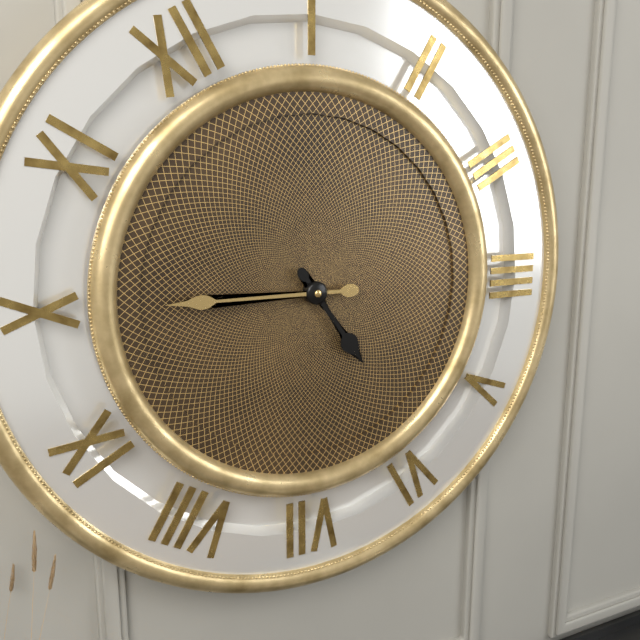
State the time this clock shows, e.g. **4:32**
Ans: **5:50**
